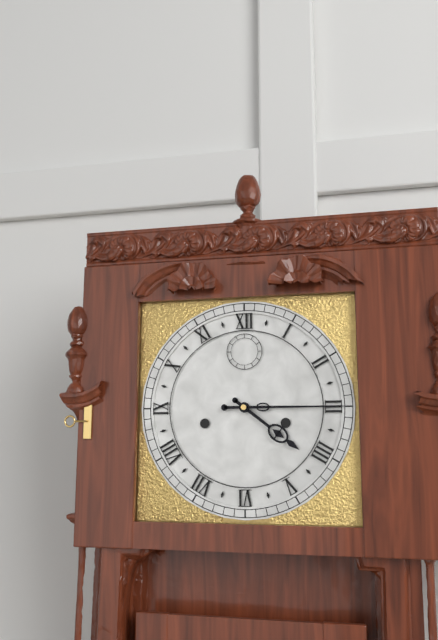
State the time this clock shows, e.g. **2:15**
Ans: **4:15**
